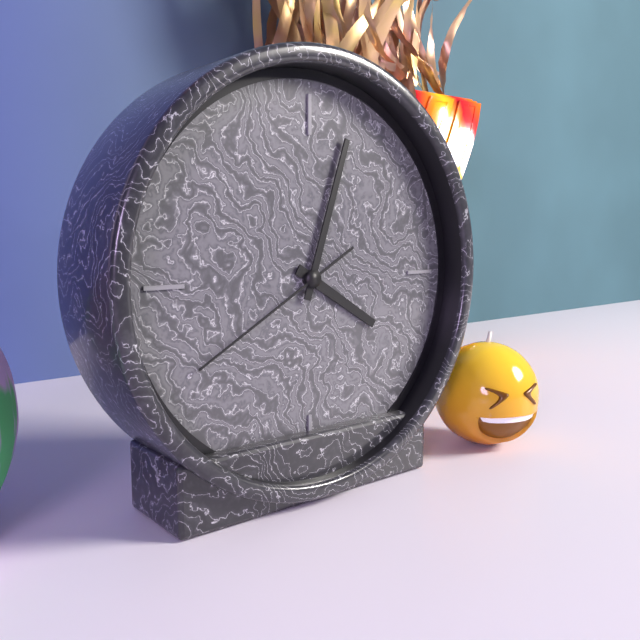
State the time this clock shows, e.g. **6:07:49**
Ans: **4:03:40**
